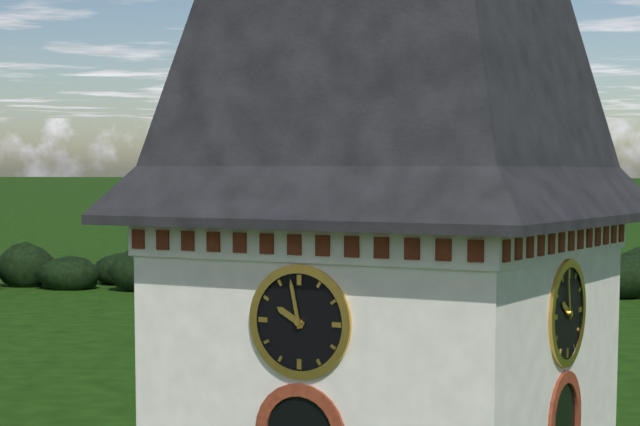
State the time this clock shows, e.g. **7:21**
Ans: **9:58**
